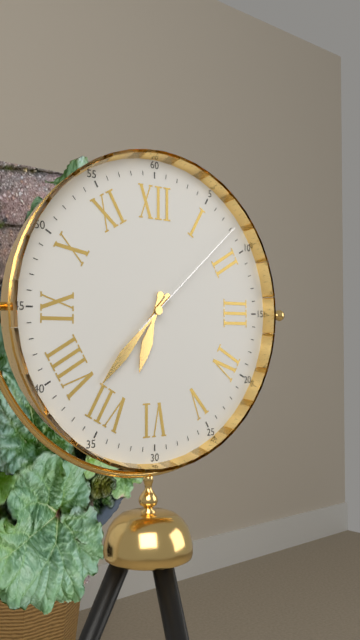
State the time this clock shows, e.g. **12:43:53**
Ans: **6:37:08**
